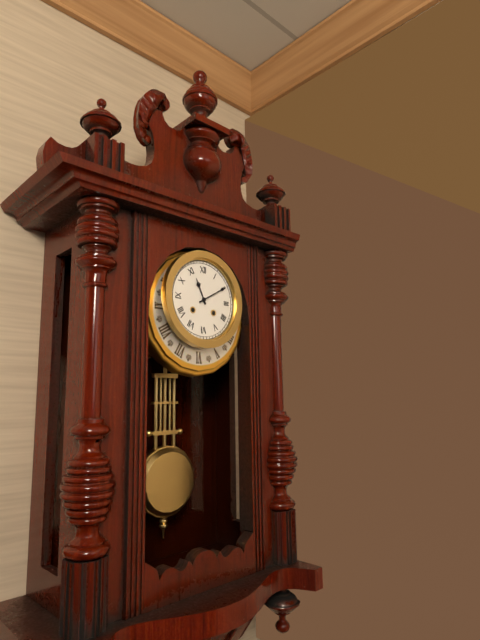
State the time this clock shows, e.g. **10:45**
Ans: **11:10**
